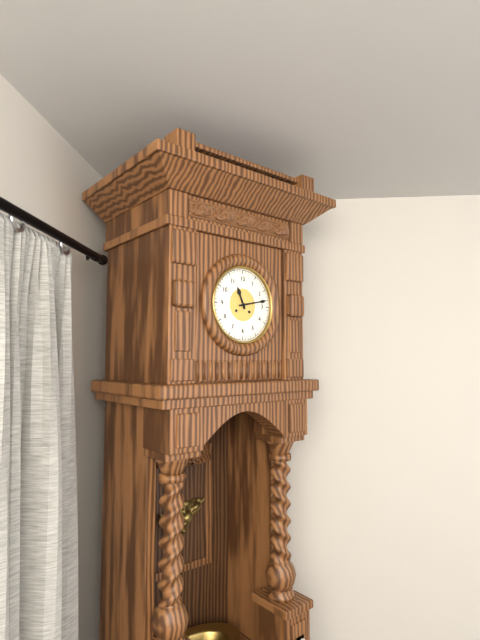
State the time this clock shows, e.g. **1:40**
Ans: **11:13**
